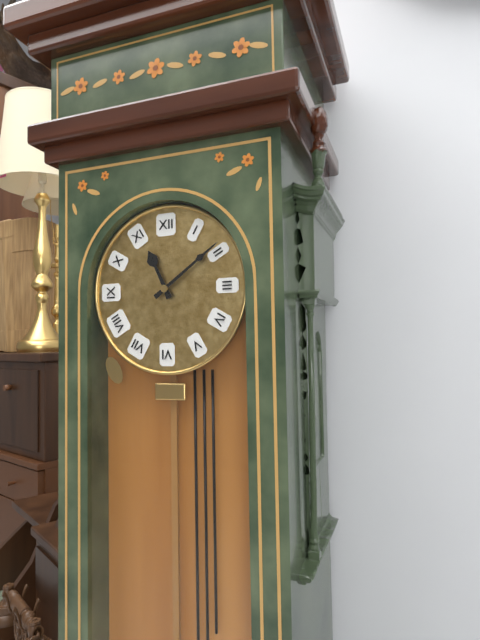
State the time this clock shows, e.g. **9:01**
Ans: **11:09**
